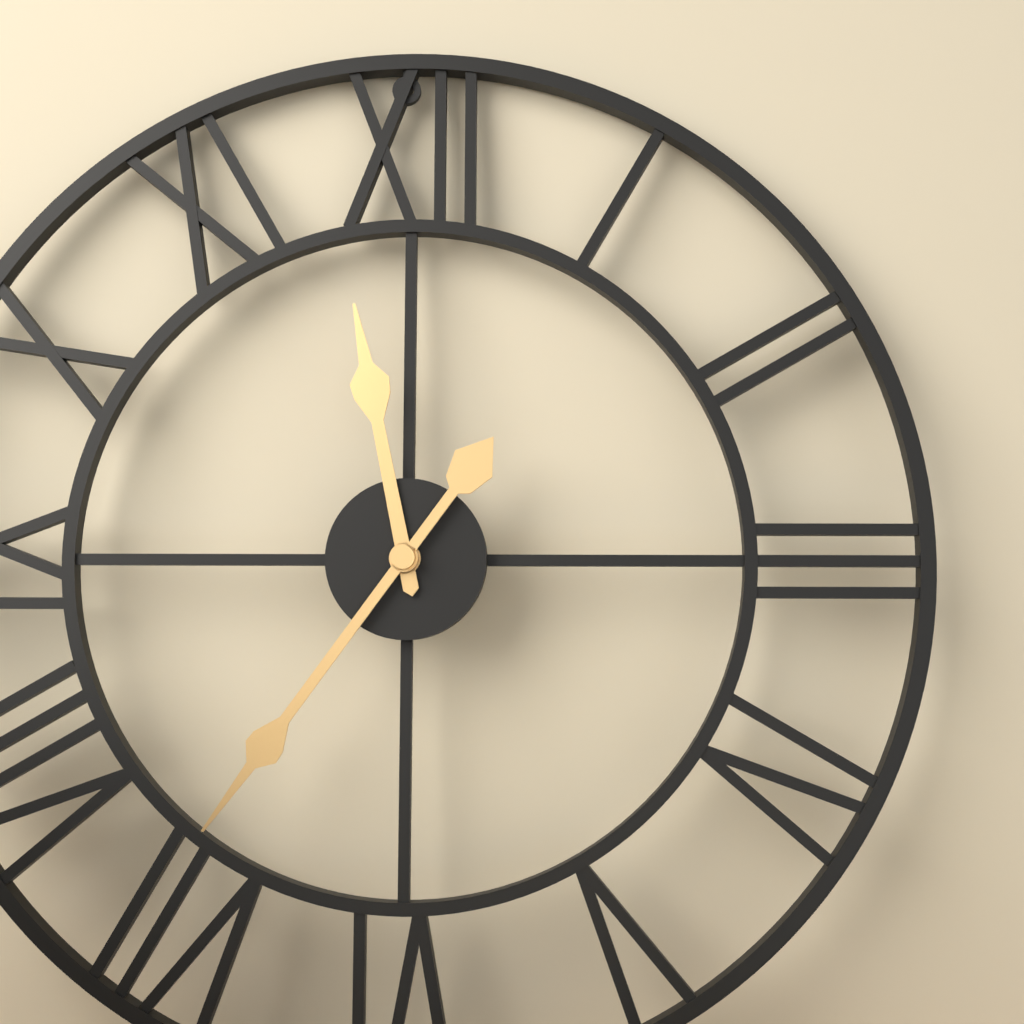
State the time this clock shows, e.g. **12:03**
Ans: **11:36**
